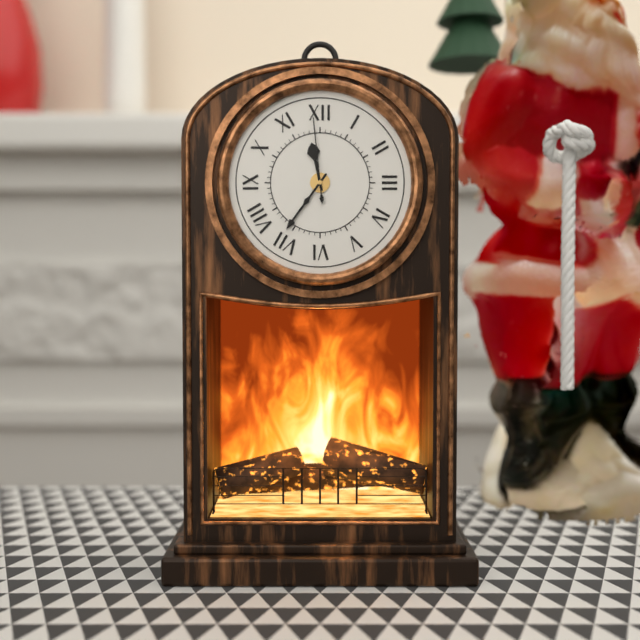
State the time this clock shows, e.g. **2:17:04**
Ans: **11:36:59**
